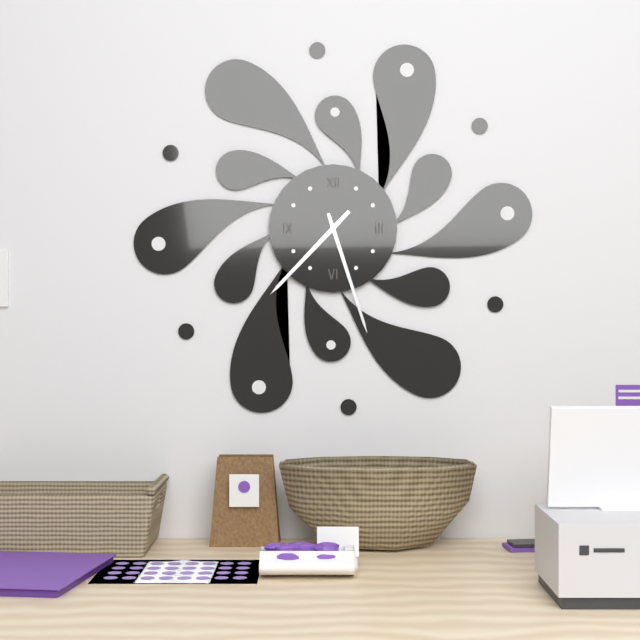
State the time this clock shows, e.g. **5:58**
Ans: **7:27**
